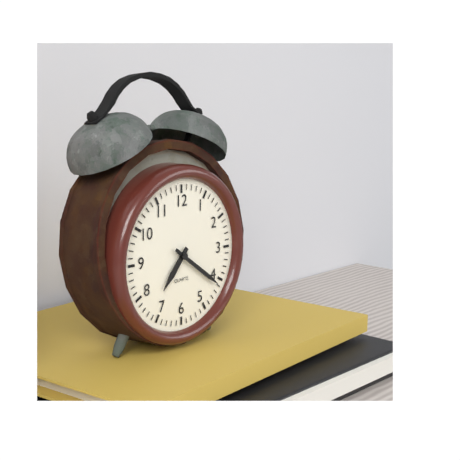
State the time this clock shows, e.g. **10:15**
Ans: **7:21**
